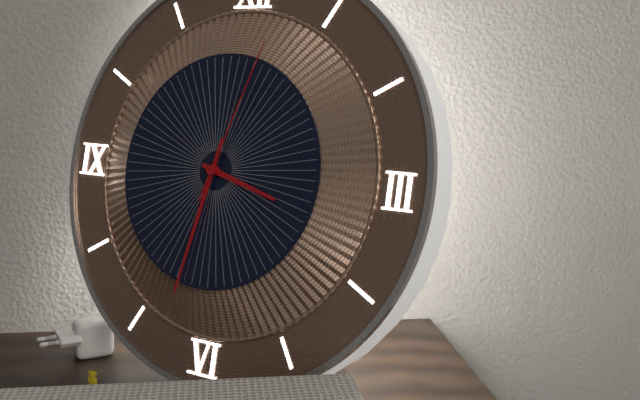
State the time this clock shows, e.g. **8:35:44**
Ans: **3:32:03**
